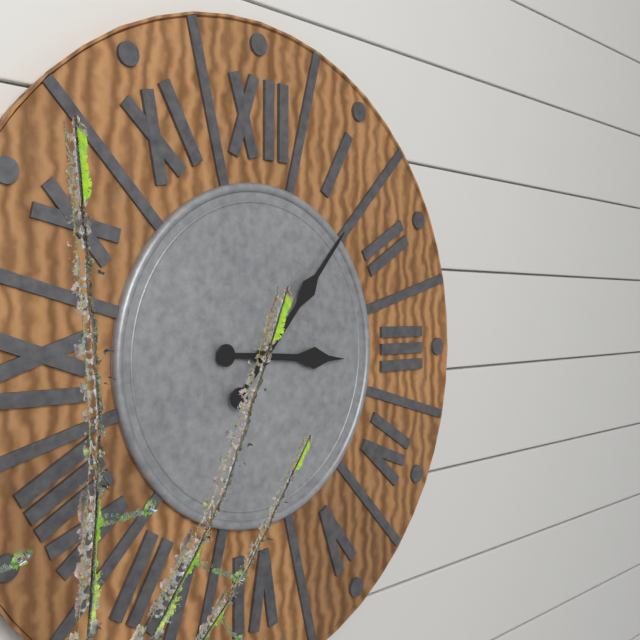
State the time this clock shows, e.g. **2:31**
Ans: **3:07**
